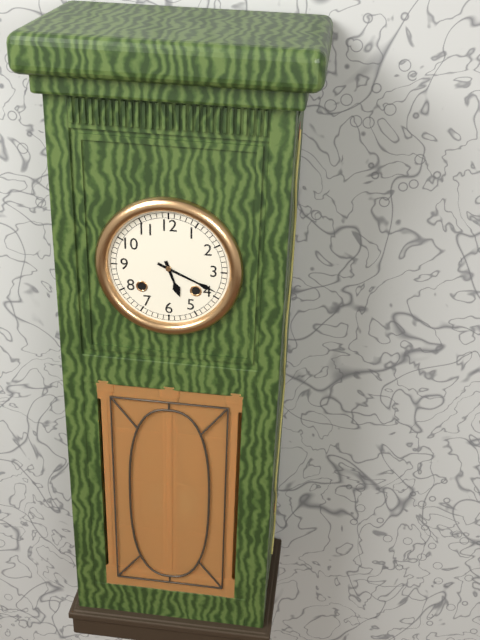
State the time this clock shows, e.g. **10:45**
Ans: **5:19**
